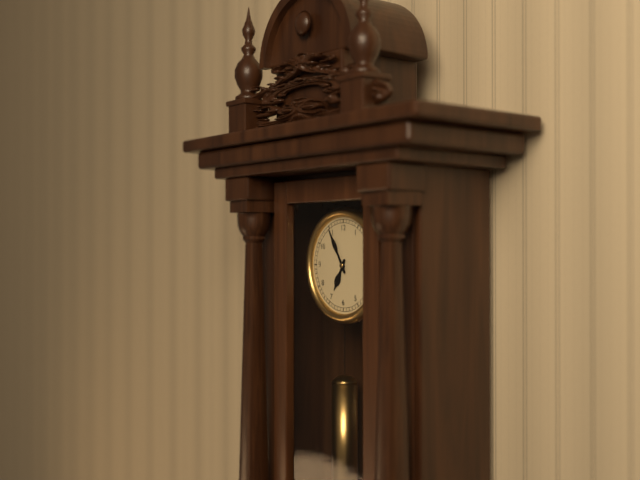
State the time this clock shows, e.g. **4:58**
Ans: **6:55**
